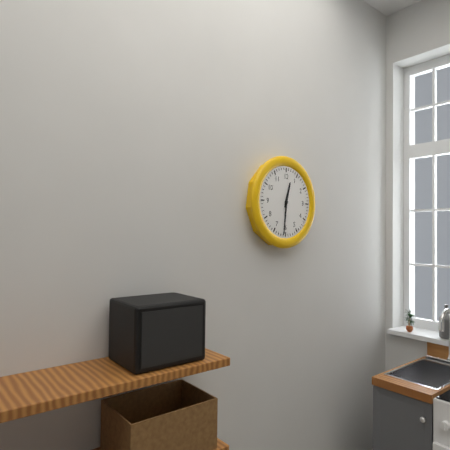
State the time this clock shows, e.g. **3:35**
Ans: **12:31**
